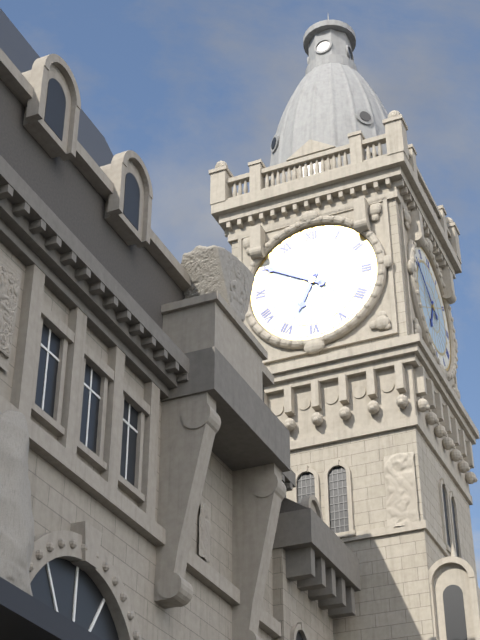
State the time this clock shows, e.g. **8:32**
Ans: **6:50**
